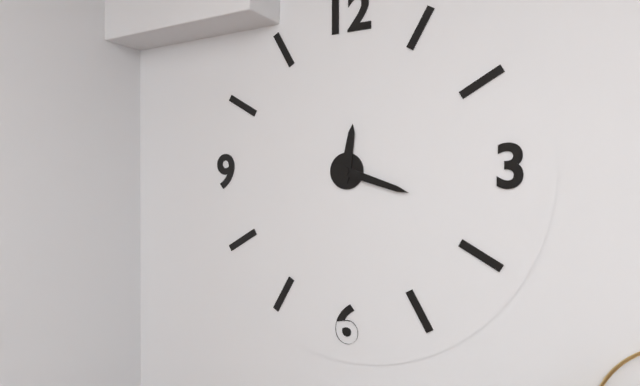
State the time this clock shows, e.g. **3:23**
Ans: **12:18**
